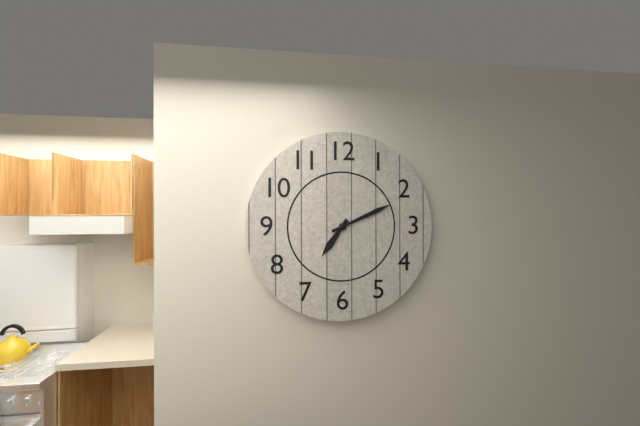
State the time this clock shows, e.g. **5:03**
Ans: **7:11**
